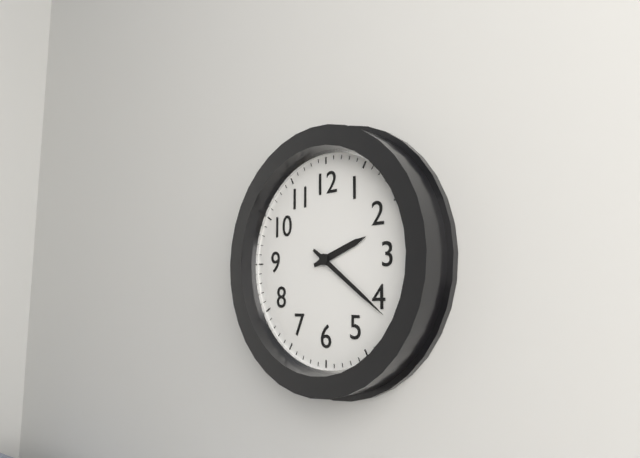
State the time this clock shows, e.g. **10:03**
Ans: **2:21**
